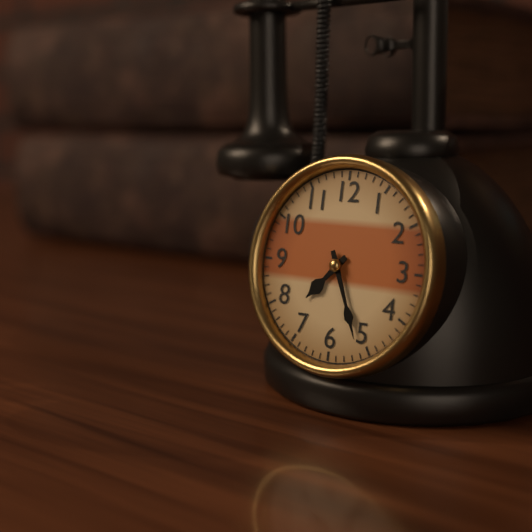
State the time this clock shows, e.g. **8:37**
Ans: **7:26**
